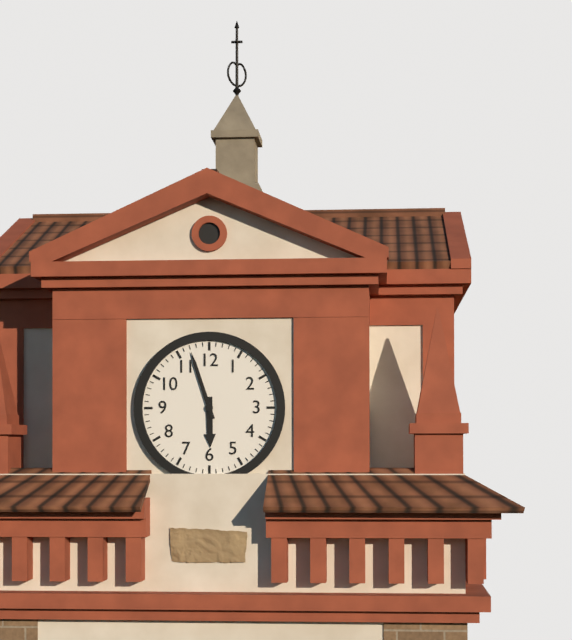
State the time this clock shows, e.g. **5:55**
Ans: **5:57**
